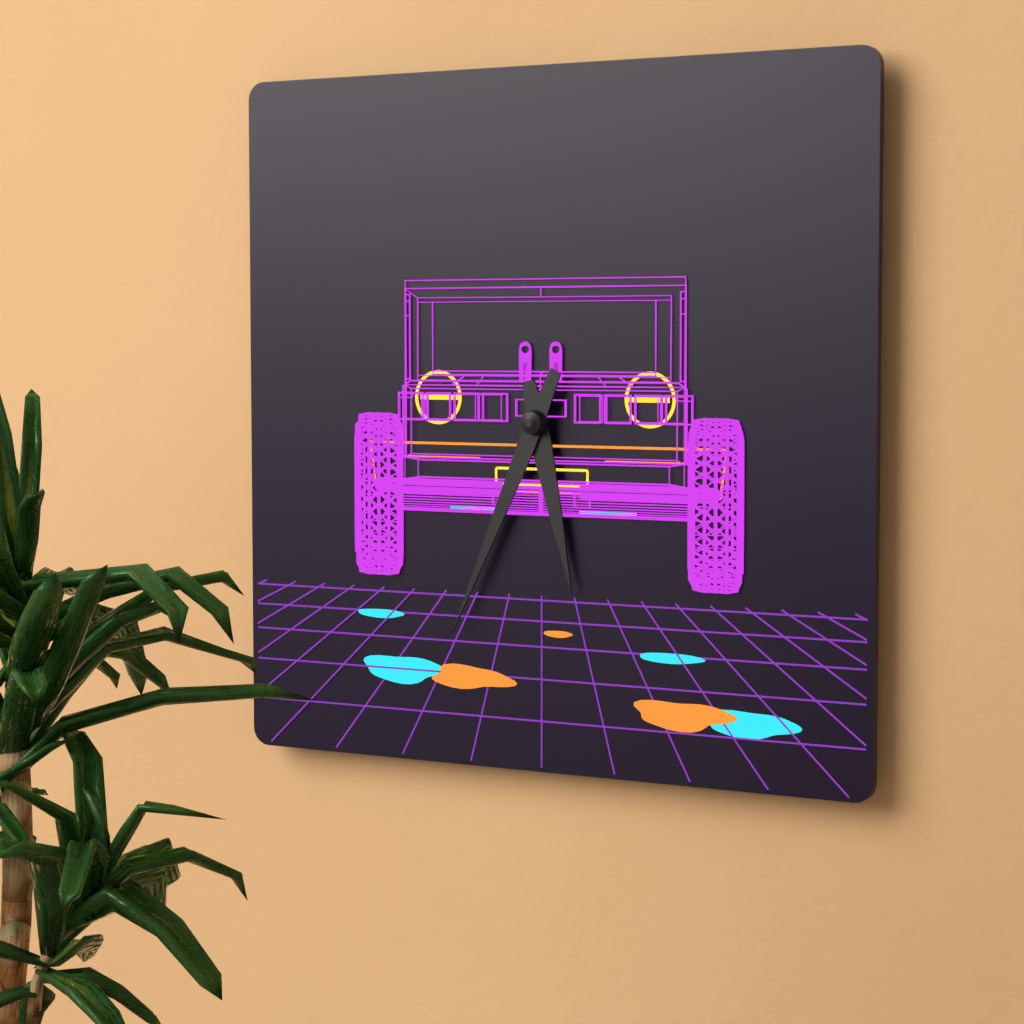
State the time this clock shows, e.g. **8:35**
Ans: **5:34**
